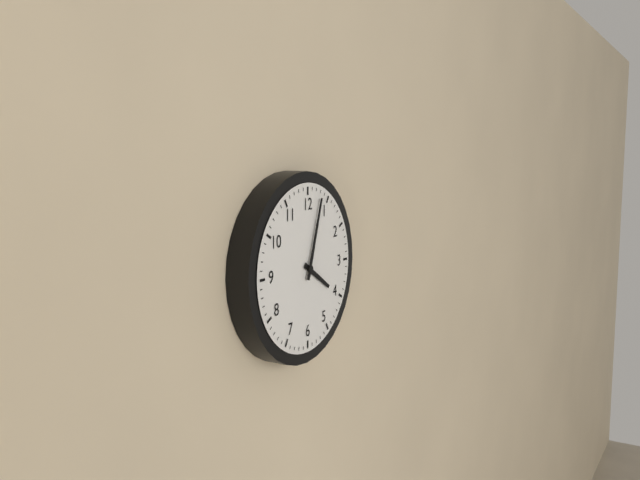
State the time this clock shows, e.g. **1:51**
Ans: **4:03**
